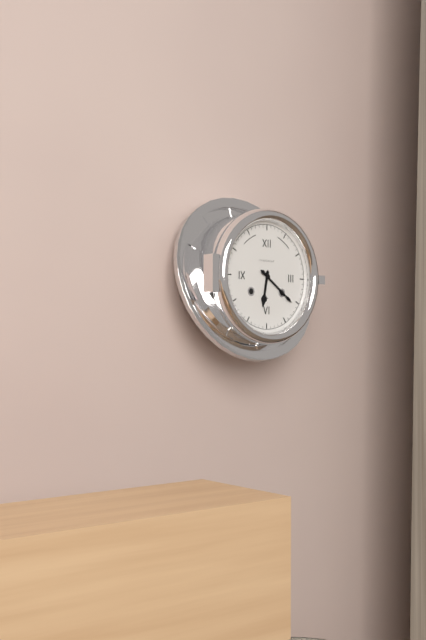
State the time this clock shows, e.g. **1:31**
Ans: **6:21**
